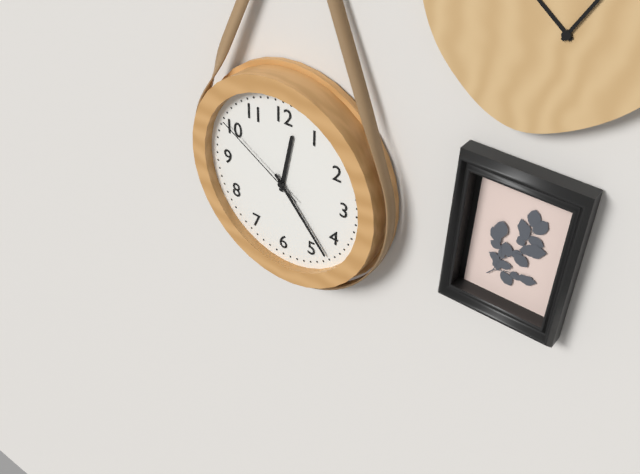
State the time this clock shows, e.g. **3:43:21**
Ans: **12:23:50**
